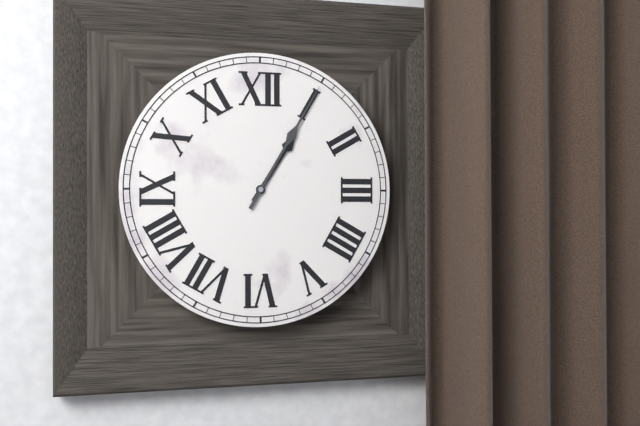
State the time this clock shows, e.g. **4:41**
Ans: **1:05**
